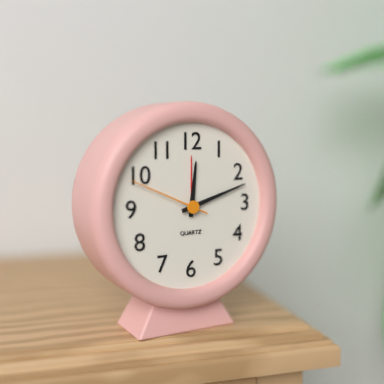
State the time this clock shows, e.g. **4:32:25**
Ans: **12:12:49**
